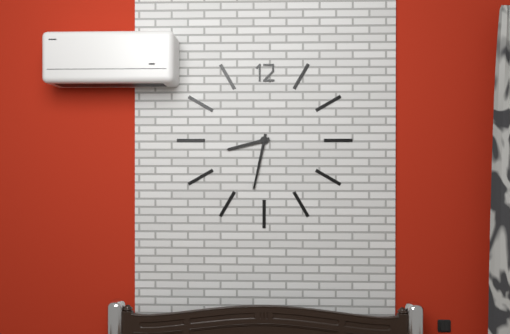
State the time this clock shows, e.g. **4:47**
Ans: **8:32**
